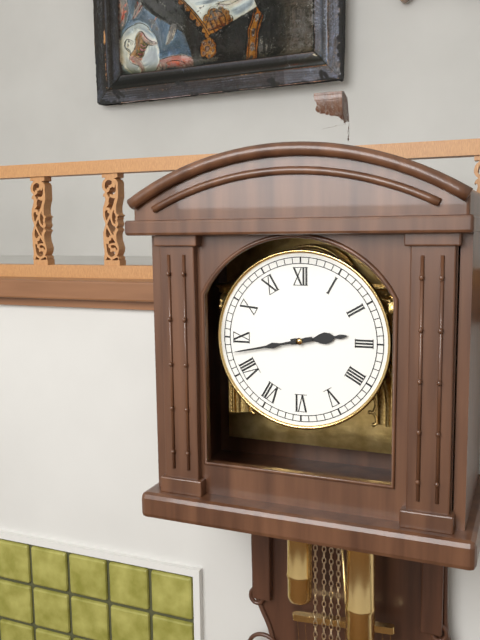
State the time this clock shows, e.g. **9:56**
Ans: **2:43**
